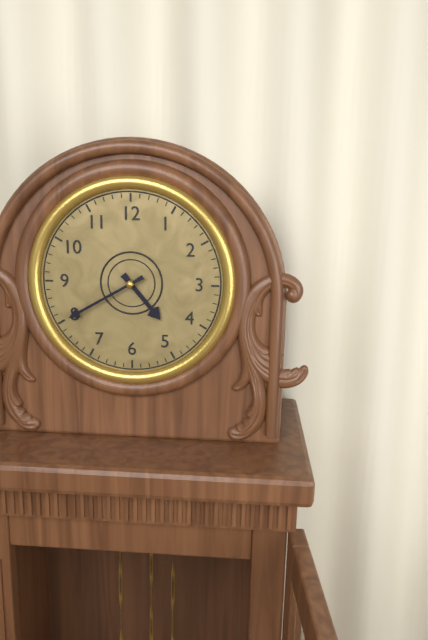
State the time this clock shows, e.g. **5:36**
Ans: **4:40**
